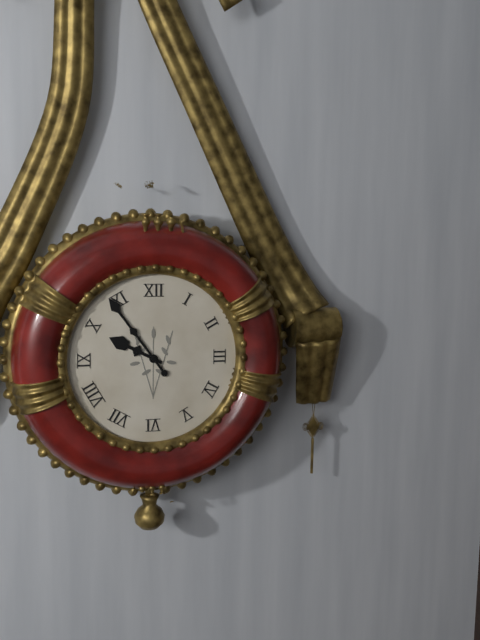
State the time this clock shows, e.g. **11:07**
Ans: **9:54**
